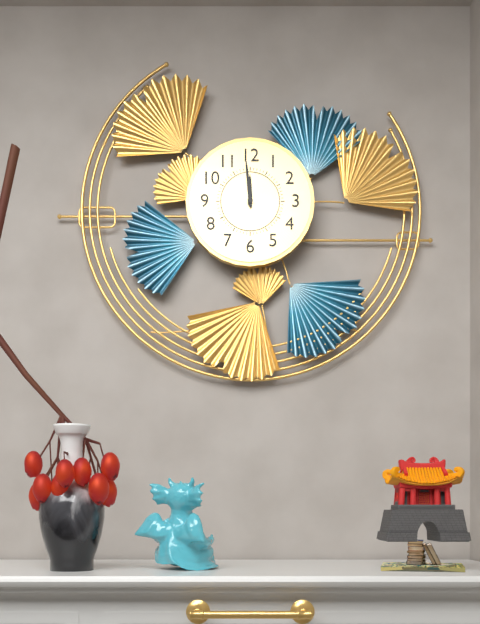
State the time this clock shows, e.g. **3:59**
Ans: **11:59**
